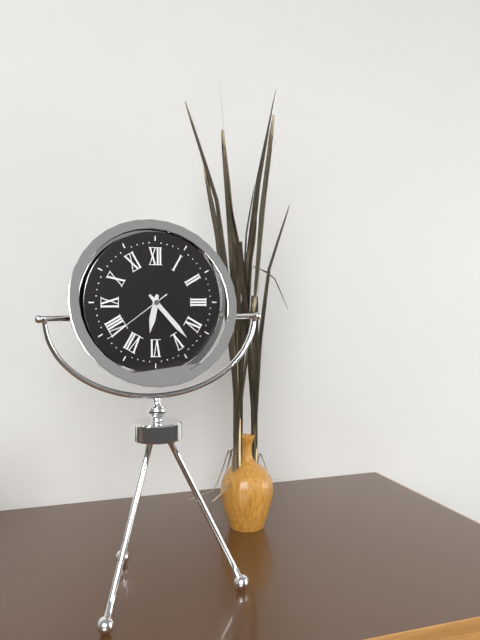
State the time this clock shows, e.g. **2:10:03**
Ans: **6:23:39**
